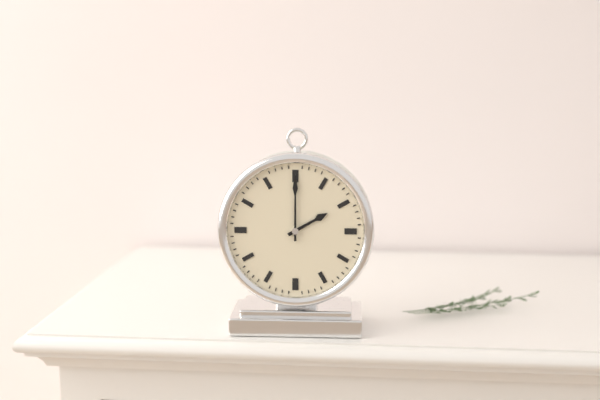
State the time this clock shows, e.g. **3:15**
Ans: **2:00**
